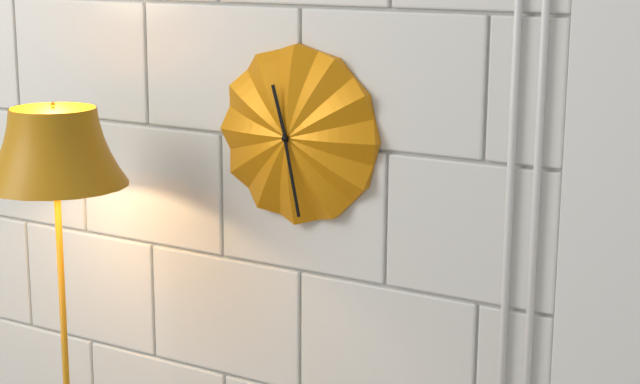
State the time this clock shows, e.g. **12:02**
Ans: **11:28**
